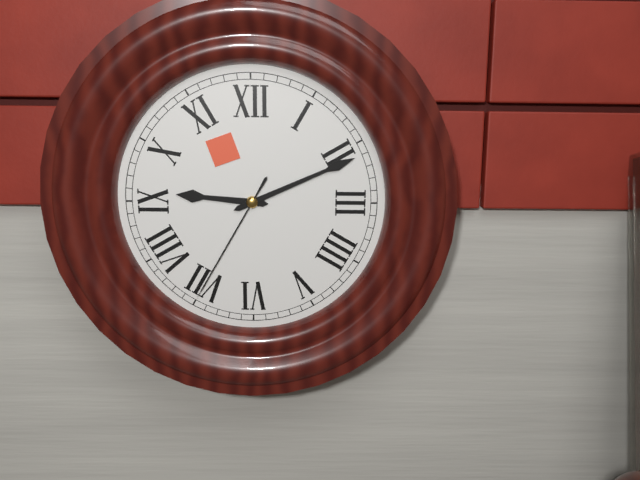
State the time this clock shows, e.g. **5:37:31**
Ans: **9:11:35**
